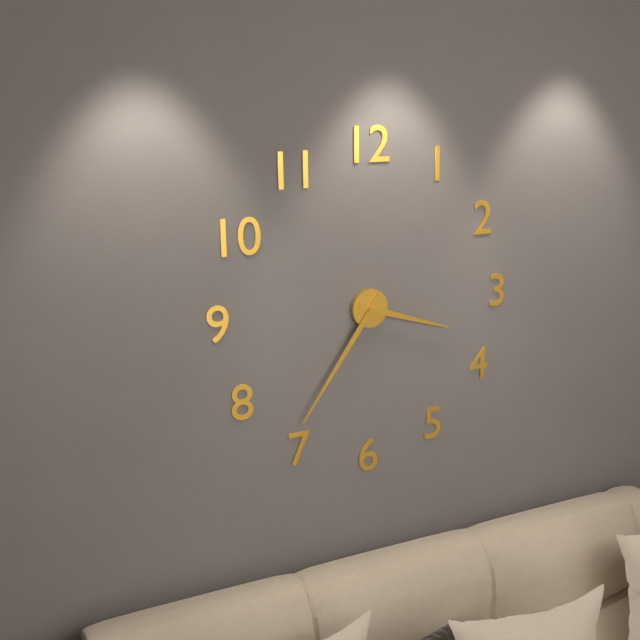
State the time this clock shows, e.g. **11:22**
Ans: **3:36**
